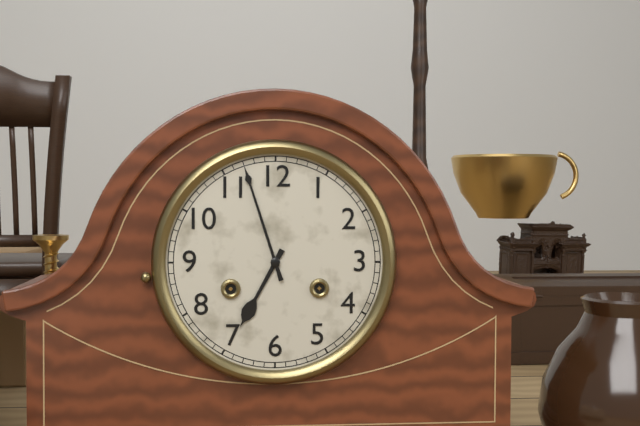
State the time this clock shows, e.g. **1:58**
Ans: **6:57**
